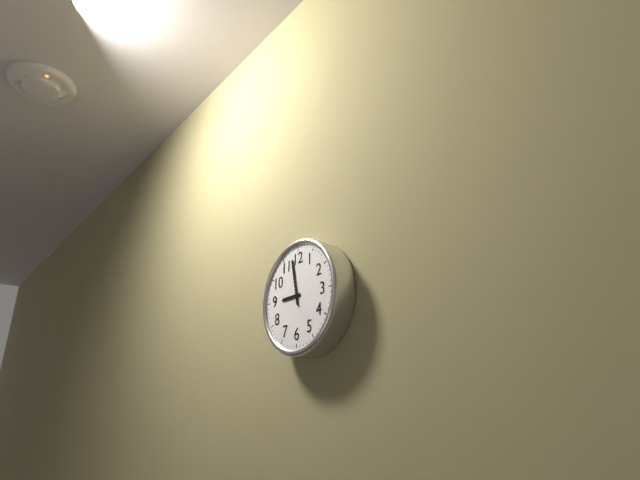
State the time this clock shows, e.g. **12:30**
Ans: **8:58**
